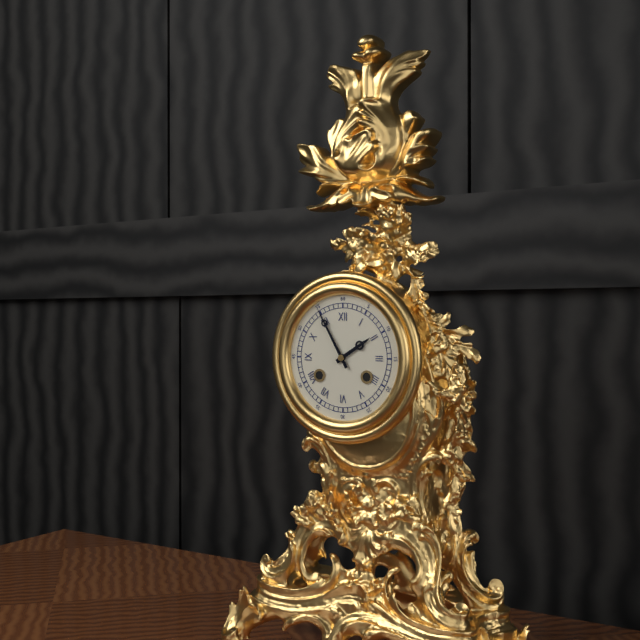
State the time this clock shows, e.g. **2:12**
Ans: **1:55**
